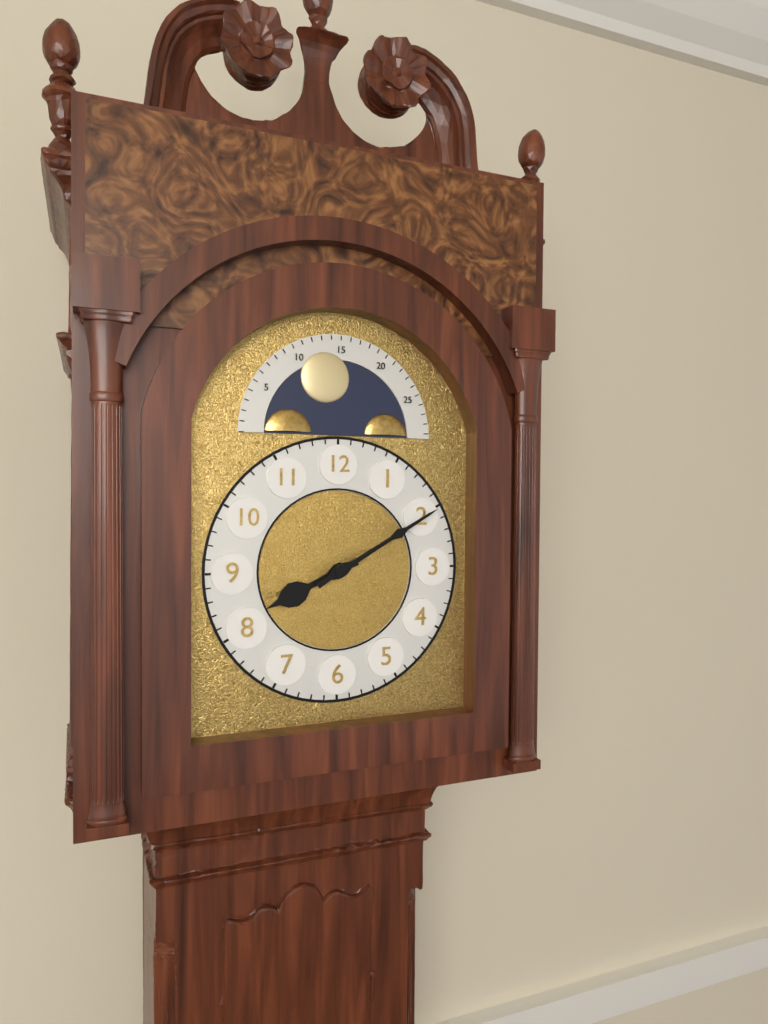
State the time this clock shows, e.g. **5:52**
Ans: **8:10**
